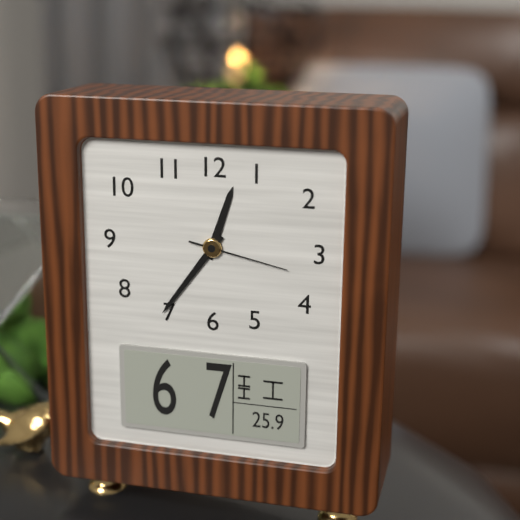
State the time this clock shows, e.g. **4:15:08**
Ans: **12:36:17**
